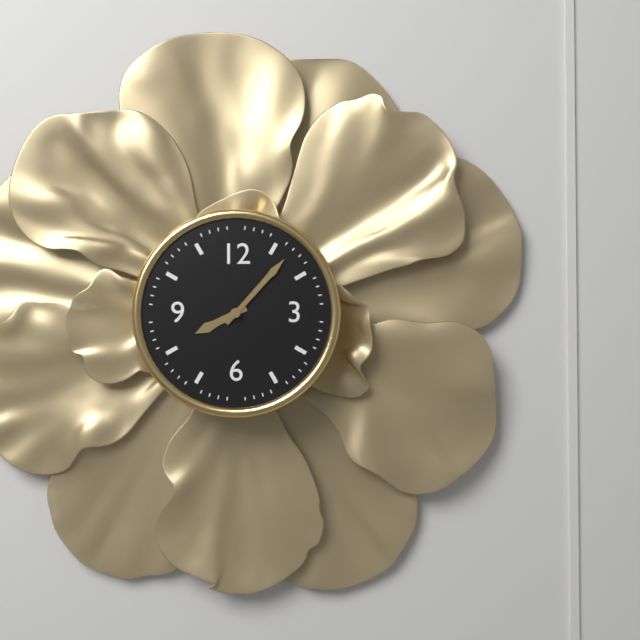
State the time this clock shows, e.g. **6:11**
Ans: **8:07**
